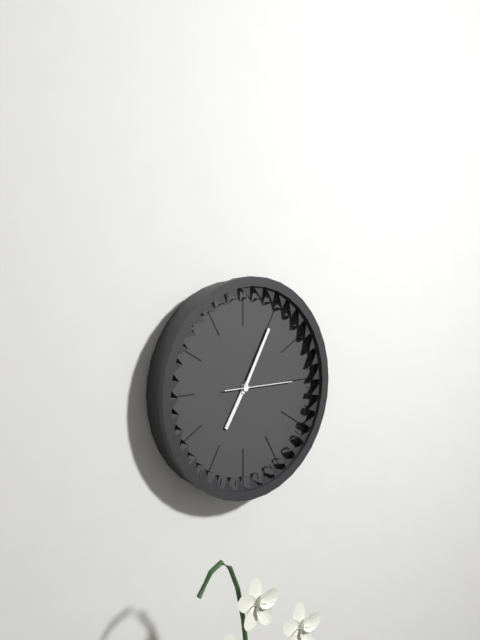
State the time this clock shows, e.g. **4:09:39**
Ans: **7:05:15**
